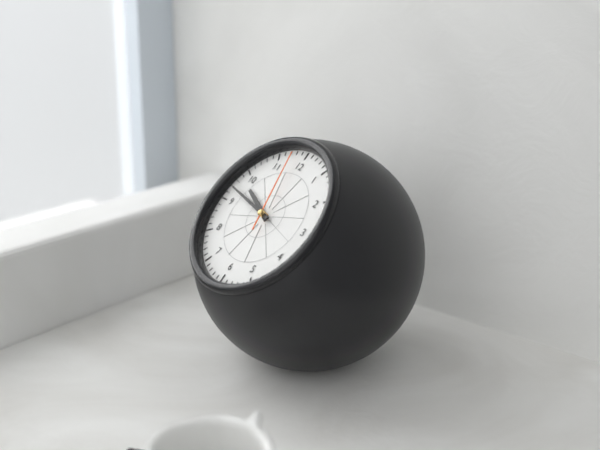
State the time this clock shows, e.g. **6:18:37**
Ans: **9:47:58**
